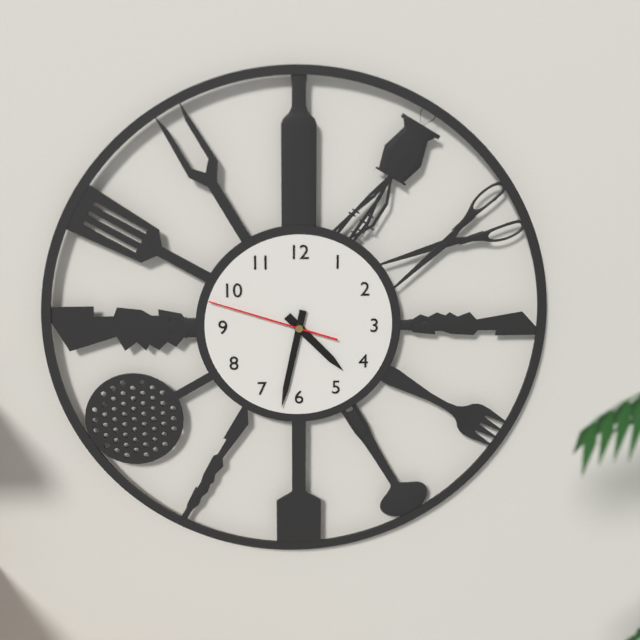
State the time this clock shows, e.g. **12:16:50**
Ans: **4:32:48**
